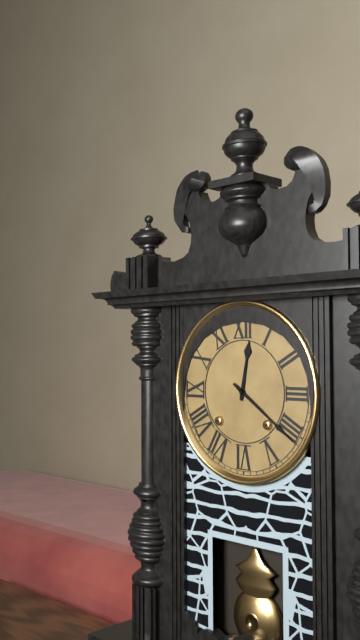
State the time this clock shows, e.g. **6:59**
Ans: **12:21**
